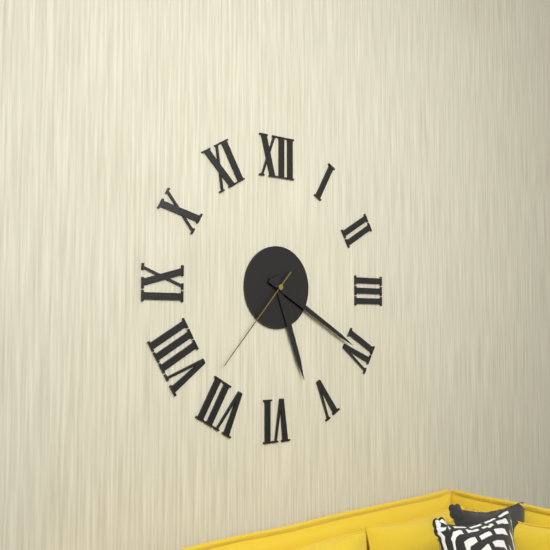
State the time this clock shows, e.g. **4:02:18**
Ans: **5:20:37**
